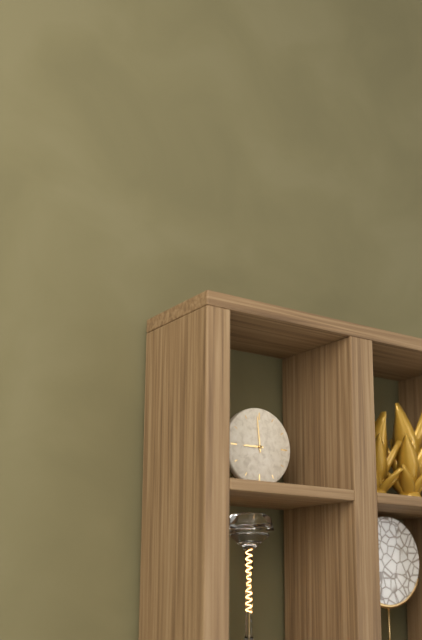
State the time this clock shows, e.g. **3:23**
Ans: **8:59**
